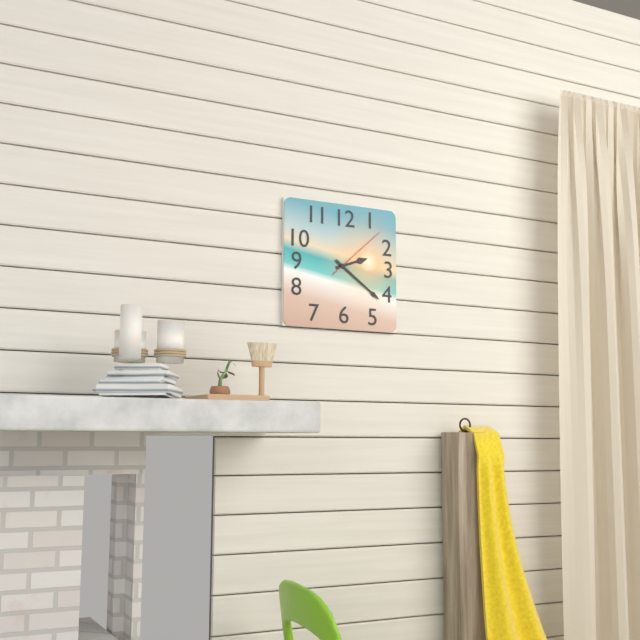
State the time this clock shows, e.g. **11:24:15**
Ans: **2:21:08**
